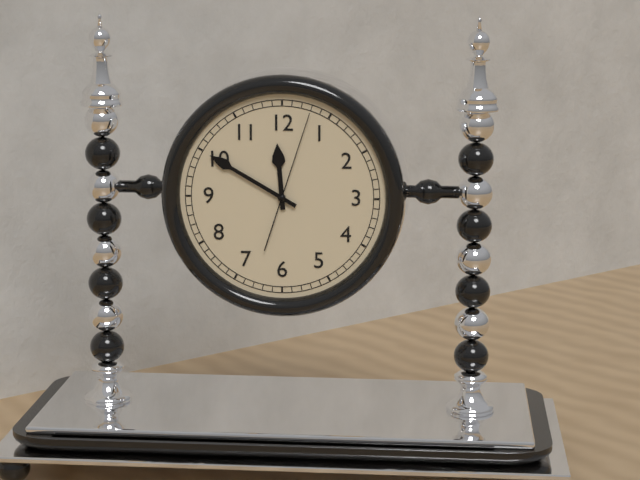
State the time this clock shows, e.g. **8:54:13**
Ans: **11:50:03**
